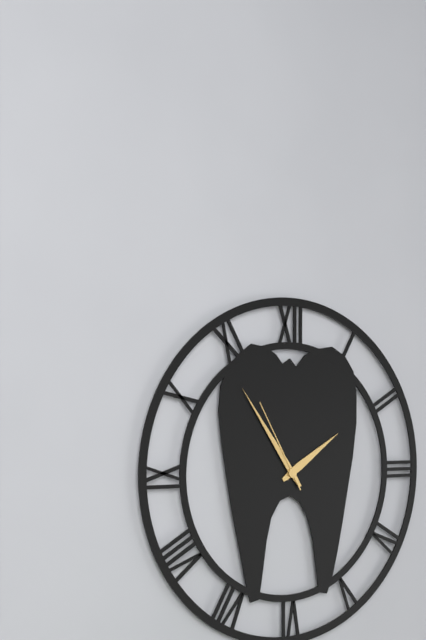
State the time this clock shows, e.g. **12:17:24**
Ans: **1:54:55**
